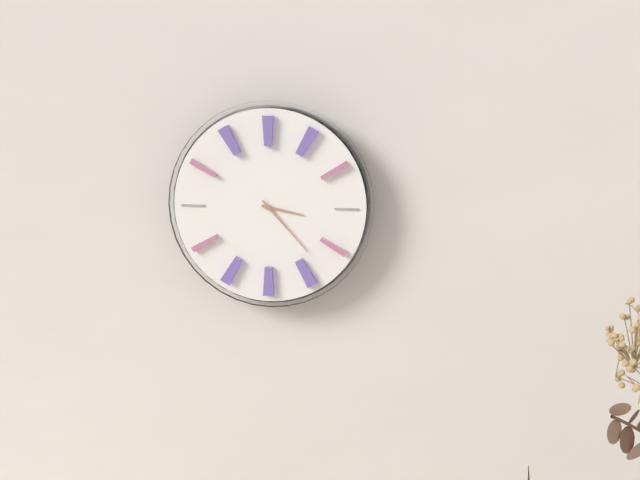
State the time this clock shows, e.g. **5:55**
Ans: **3:23**
